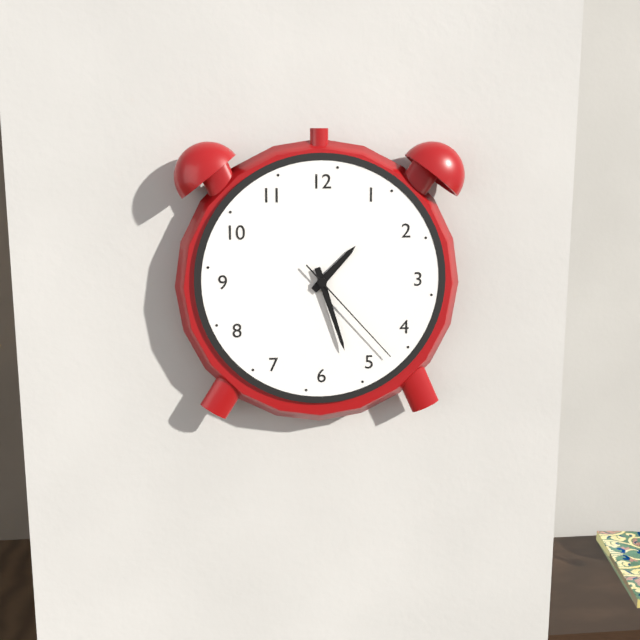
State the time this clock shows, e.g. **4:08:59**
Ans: **1:27:23**
